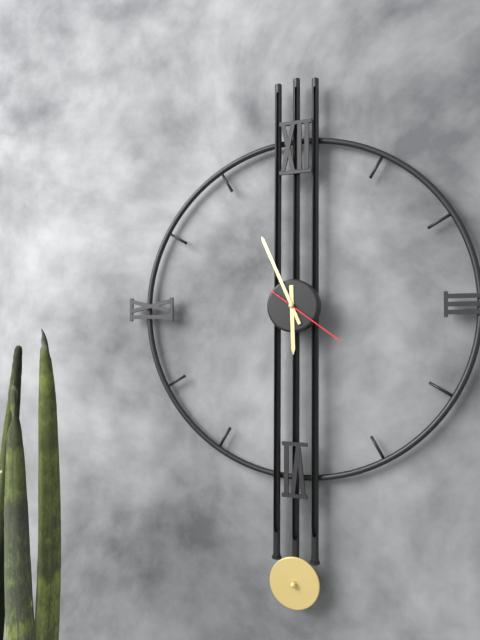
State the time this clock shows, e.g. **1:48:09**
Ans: **5:56:21**
